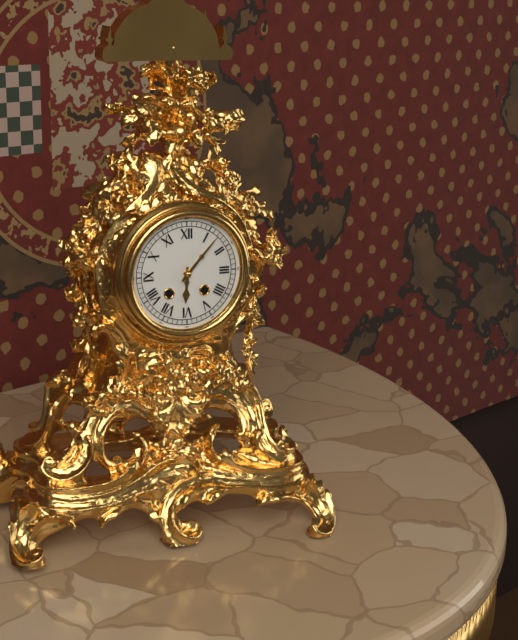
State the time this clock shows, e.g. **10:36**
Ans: **6:07**
